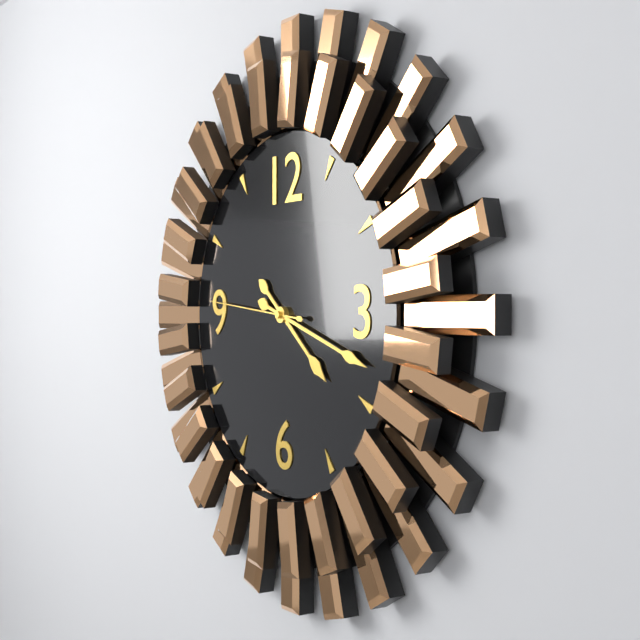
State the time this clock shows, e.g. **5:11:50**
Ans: **4:18:46**
